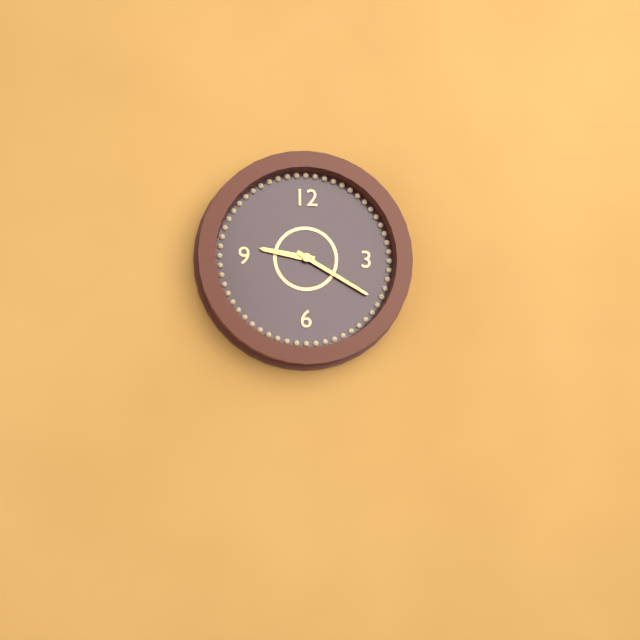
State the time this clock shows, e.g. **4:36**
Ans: **9:20**
